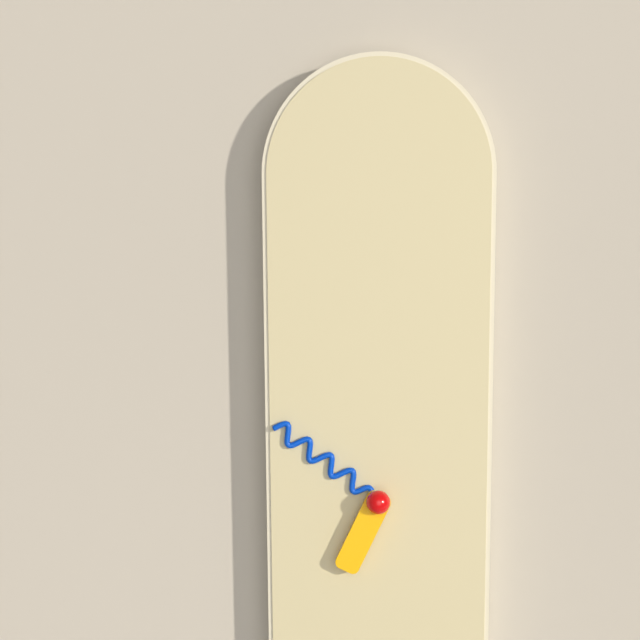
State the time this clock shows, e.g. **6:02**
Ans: **6:51**
